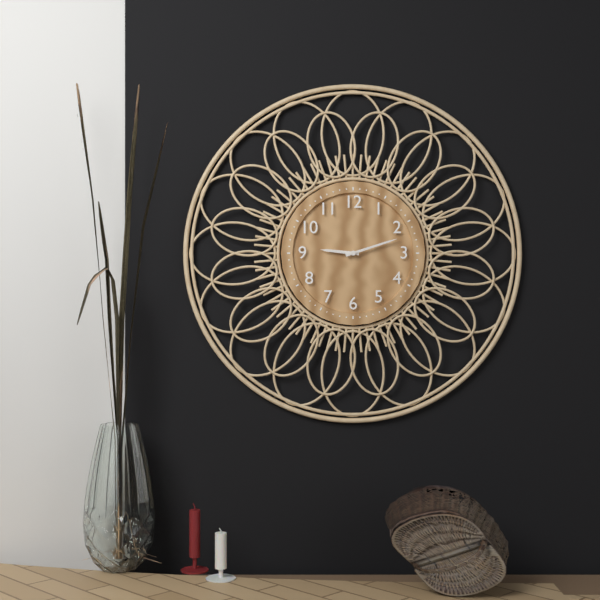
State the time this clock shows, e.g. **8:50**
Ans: **9:12**
